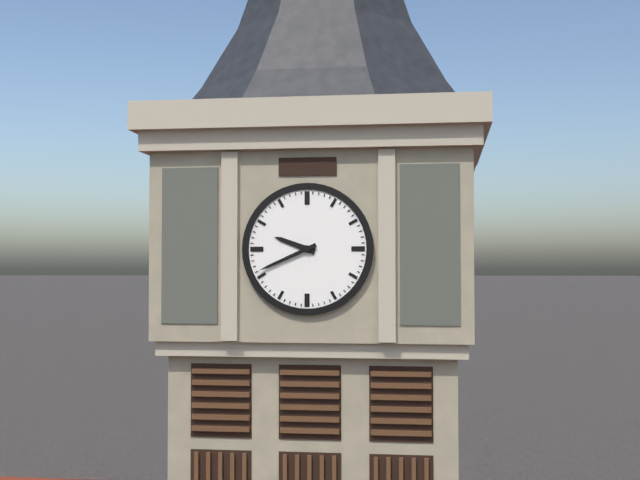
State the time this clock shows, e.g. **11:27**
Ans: **9:41**
